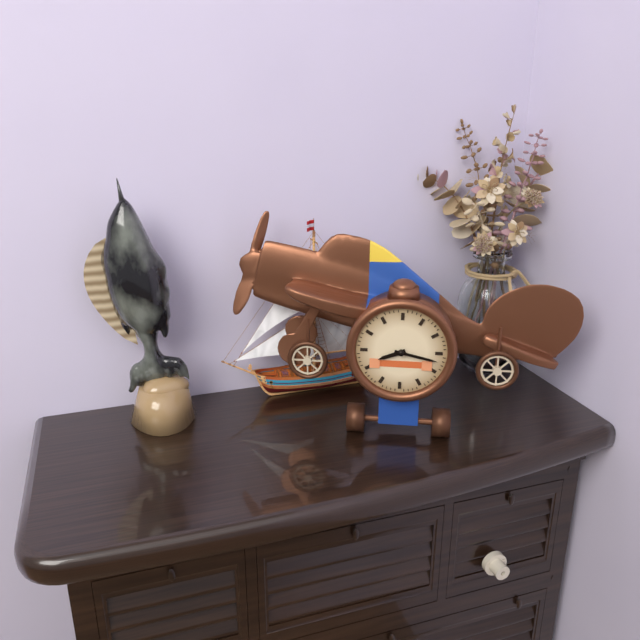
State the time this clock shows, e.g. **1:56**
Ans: **8:17**
